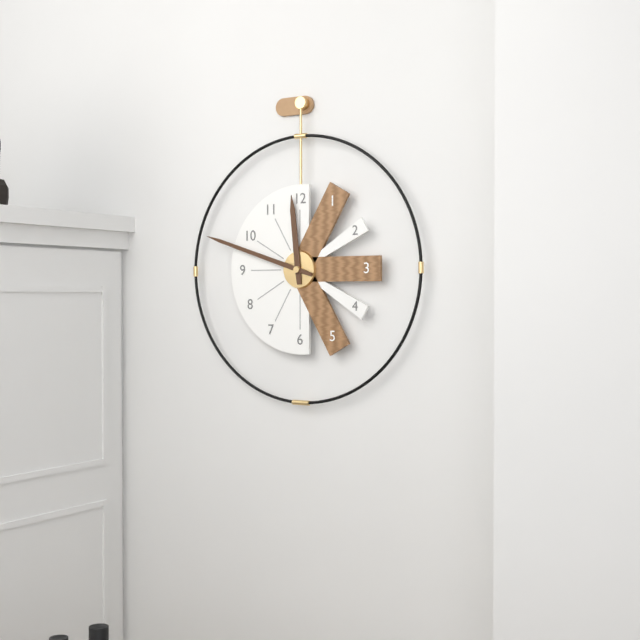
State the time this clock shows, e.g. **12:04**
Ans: **11:48**
